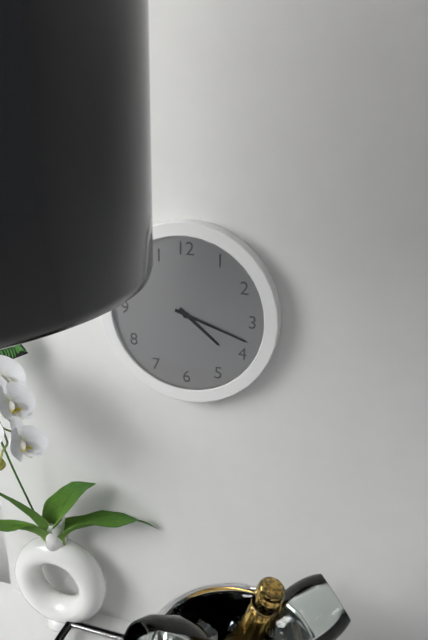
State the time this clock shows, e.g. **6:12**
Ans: **4:18**
